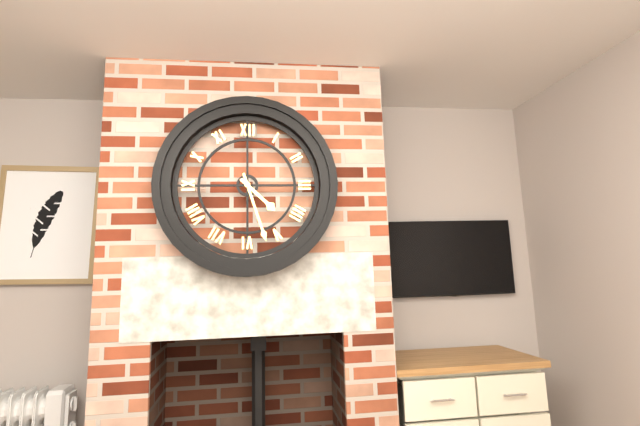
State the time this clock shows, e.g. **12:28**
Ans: **4:27**
